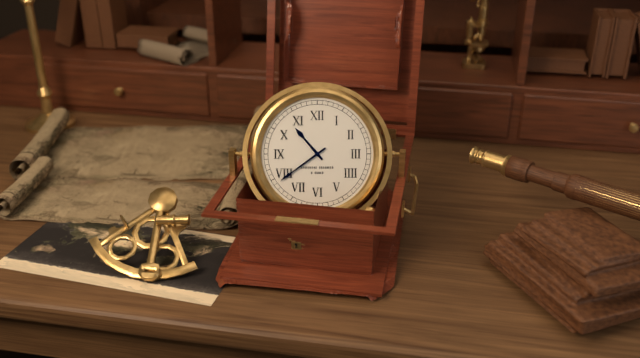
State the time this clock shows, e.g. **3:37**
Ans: **10:39**
